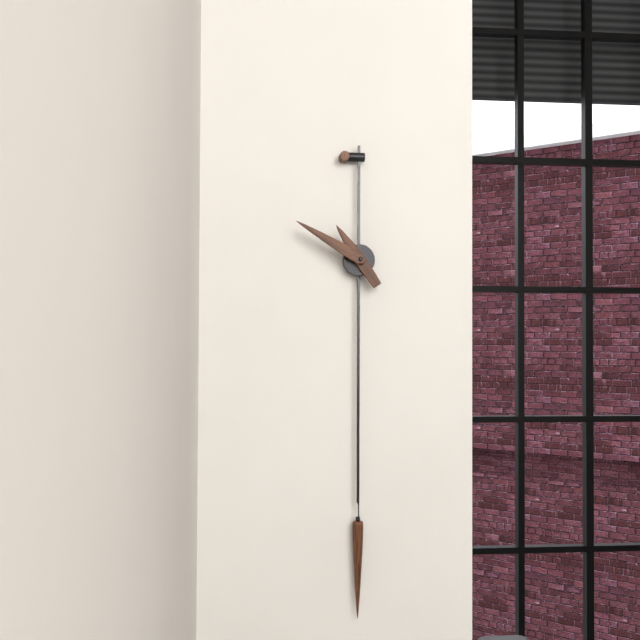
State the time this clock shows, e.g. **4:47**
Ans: **10:50**
